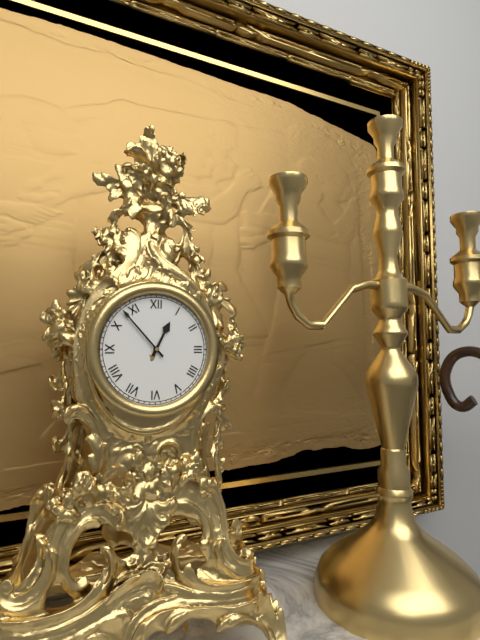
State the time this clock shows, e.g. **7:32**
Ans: **12:53**
